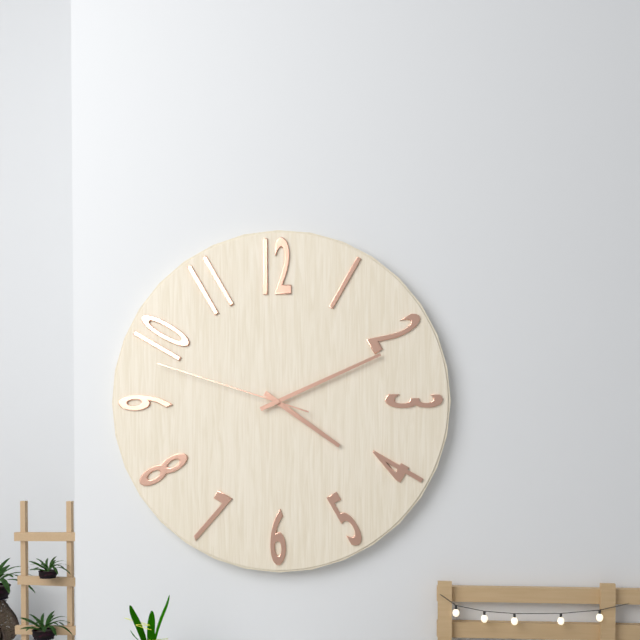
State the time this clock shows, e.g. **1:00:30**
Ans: **4:11:48**
